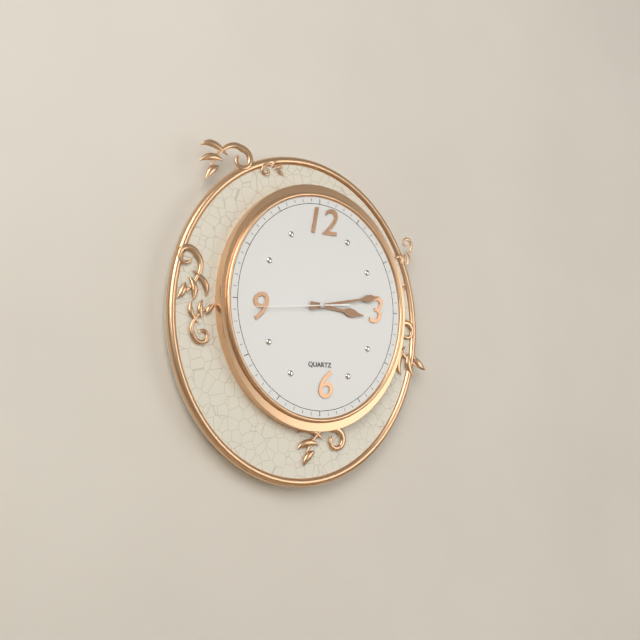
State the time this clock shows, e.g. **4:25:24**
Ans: **3:13:44**
